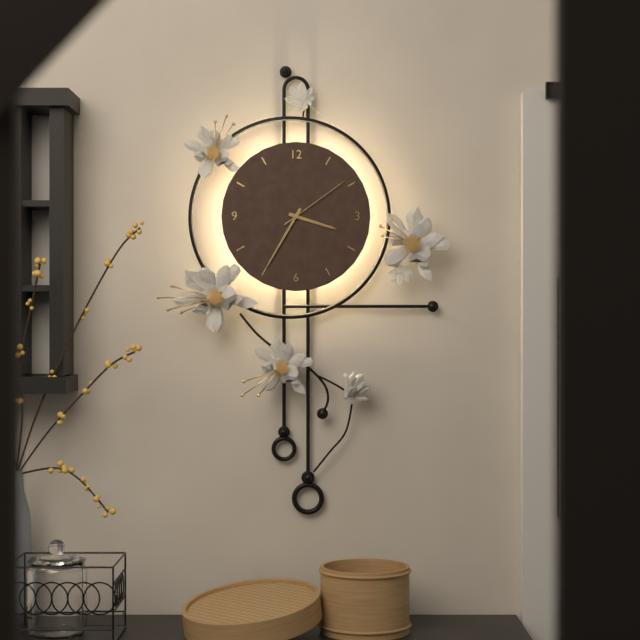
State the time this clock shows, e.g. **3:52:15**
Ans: **3:35:09**
